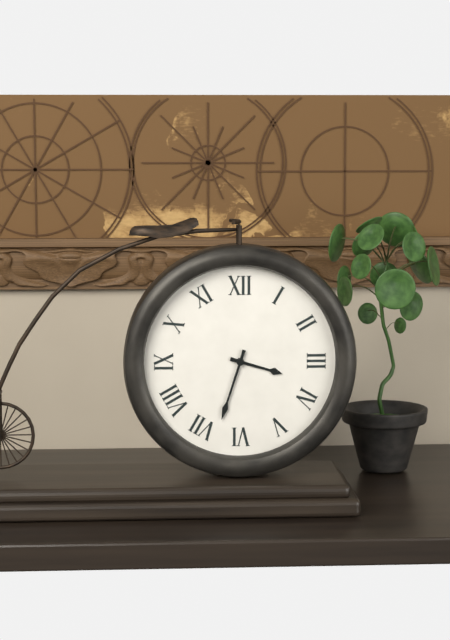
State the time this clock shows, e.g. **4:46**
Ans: **3:33**
